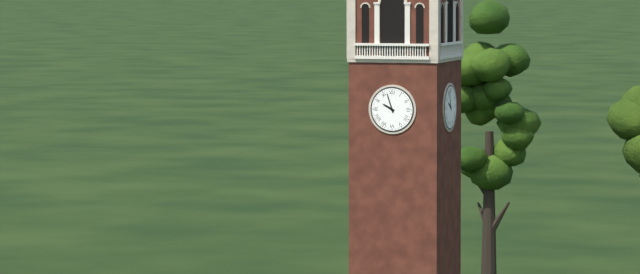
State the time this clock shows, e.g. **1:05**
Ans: **9:57**
